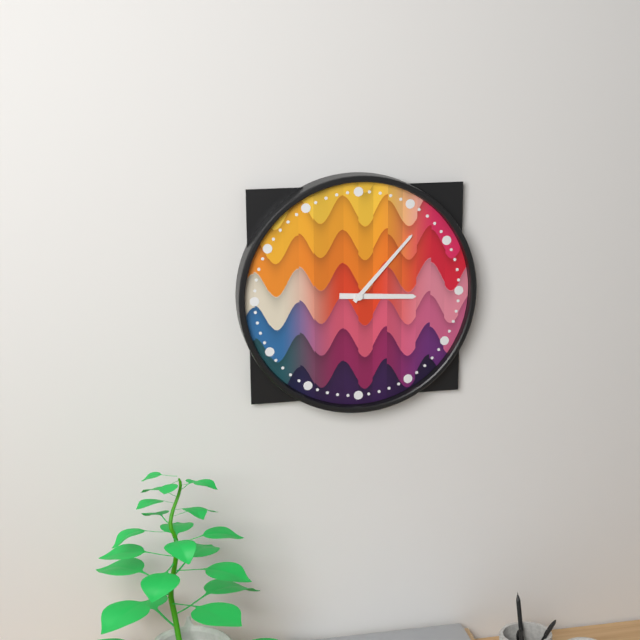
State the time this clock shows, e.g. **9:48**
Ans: **3:07**
